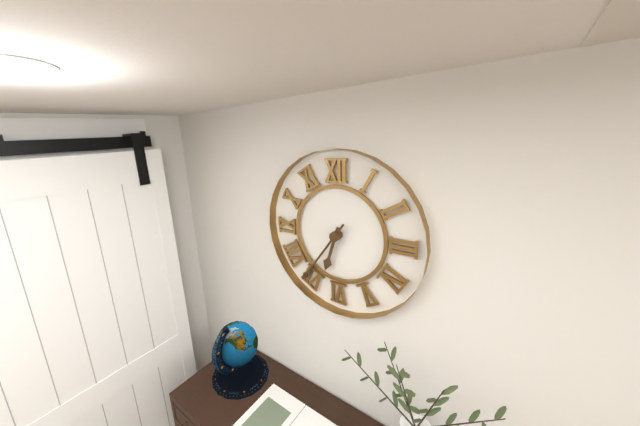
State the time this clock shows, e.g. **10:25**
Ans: **6:36**
